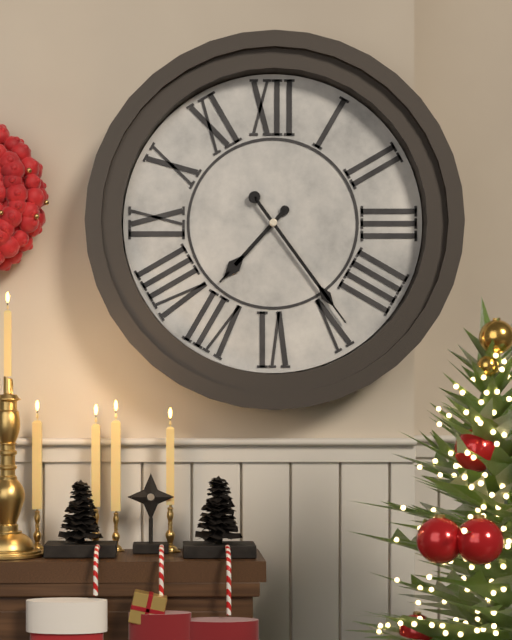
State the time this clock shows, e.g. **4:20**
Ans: **7:24**
